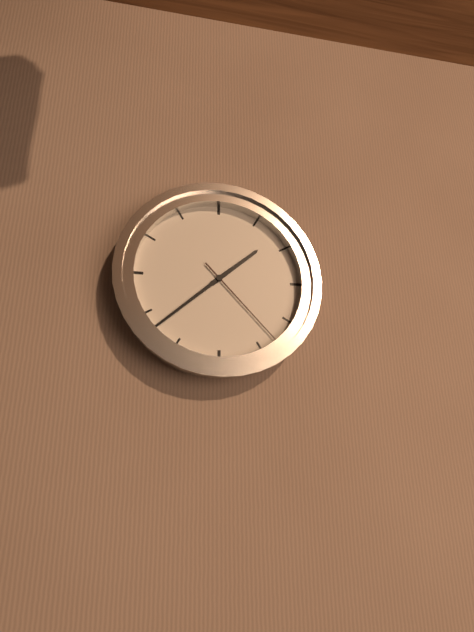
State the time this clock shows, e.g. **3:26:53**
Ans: **1:38:23**
